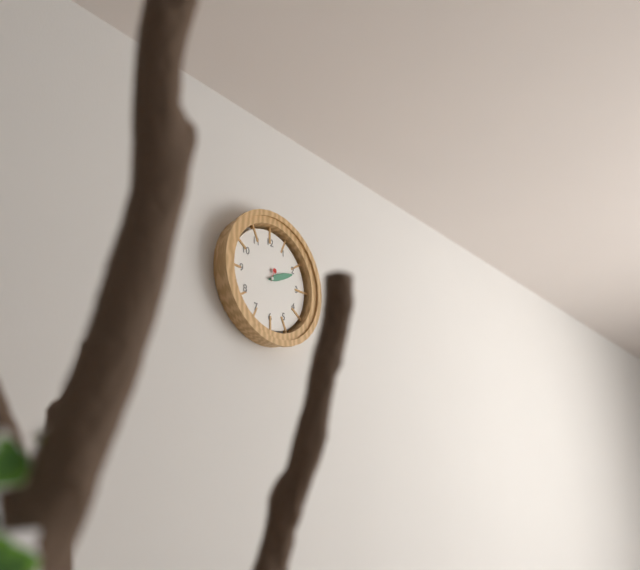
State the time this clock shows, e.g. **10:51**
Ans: **2:11**
